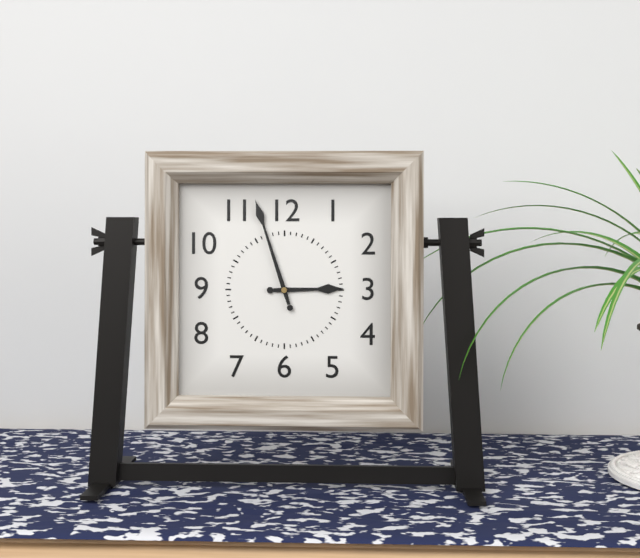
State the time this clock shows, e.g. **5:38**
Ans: **2:57**
